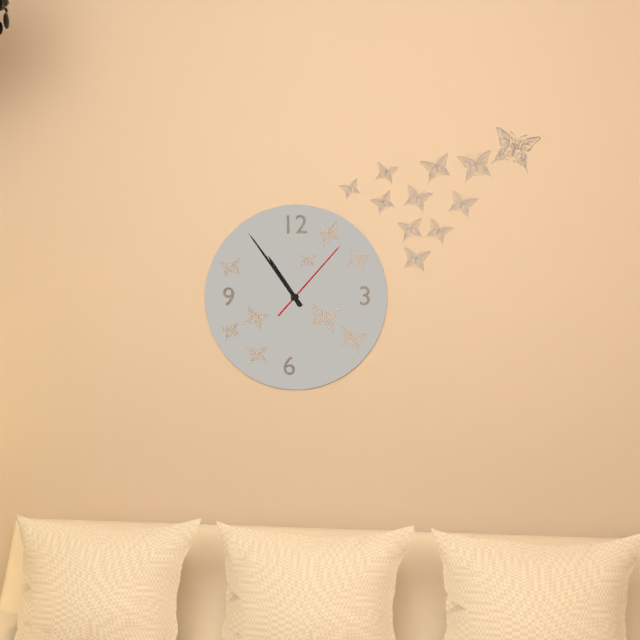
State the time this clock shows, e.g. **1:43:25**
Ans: **10:54:07**
